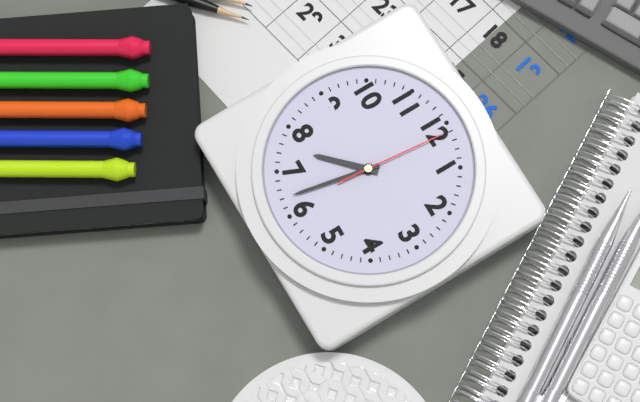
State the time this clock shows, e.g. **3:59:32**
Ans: **7:32:01**
